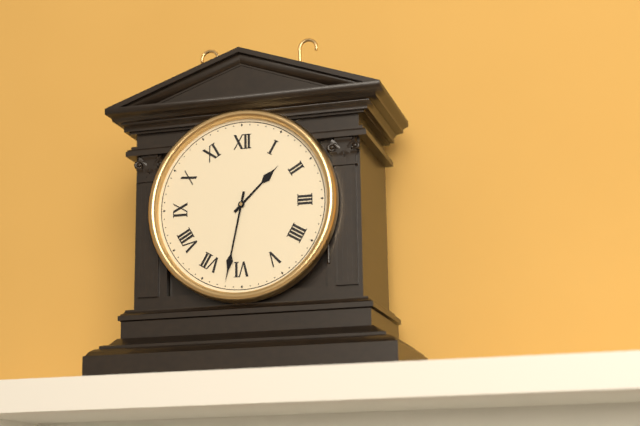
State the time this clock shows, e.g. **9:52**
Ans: **1:32**
